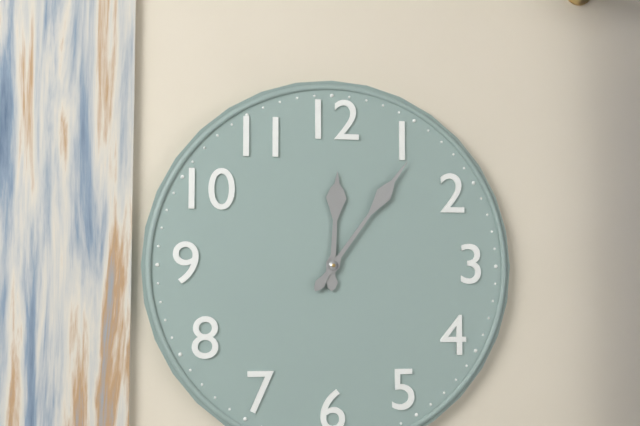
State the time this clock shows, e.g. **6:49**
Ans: **12:06**
